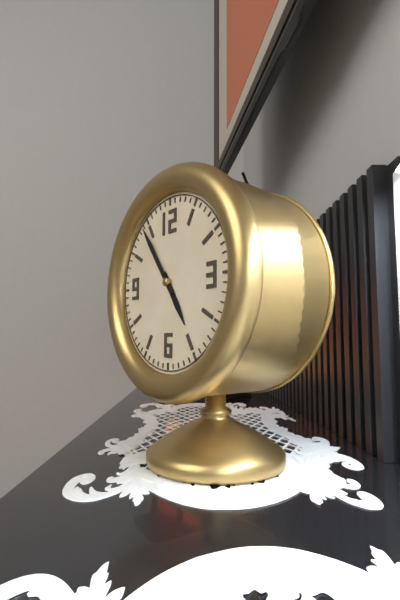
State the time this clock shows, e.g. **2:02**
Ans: **4:54**
